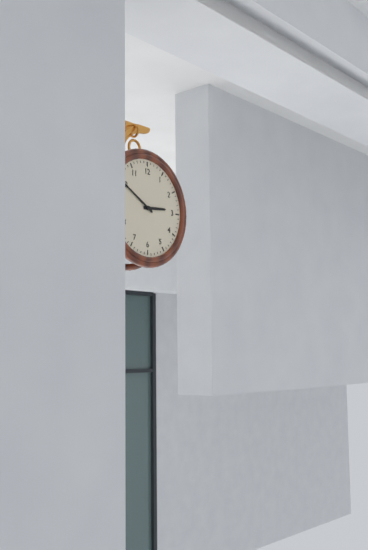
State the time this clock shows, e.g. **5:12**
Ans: **2:50**
